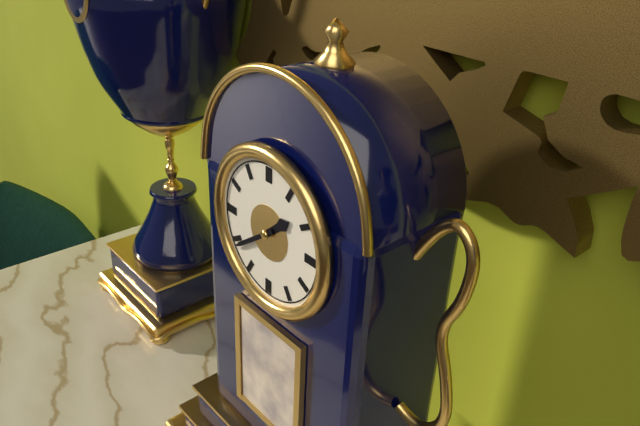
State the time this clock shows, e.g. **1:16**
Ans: **1:39**
